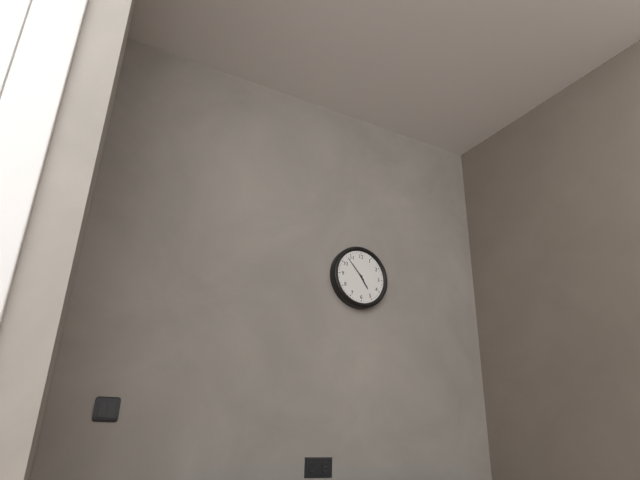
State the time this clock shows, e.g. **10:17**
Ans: **4:53**
